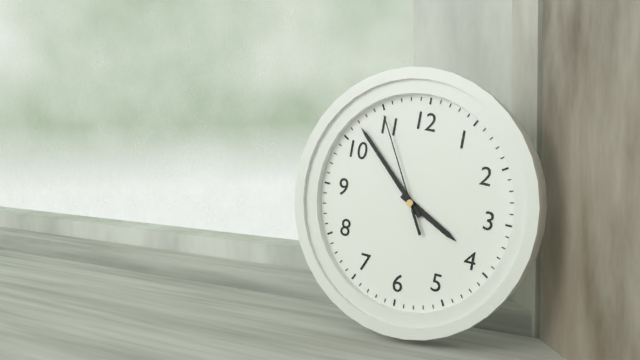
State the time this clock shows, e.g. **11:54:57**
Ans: **3:52:55**
